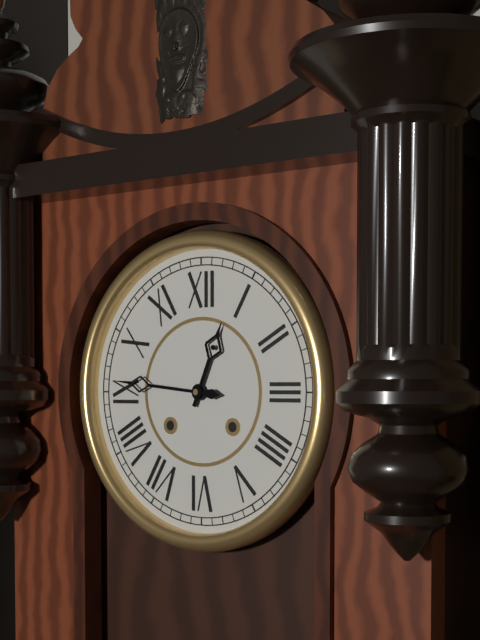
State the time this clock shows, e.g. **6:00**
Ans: **12:46**
